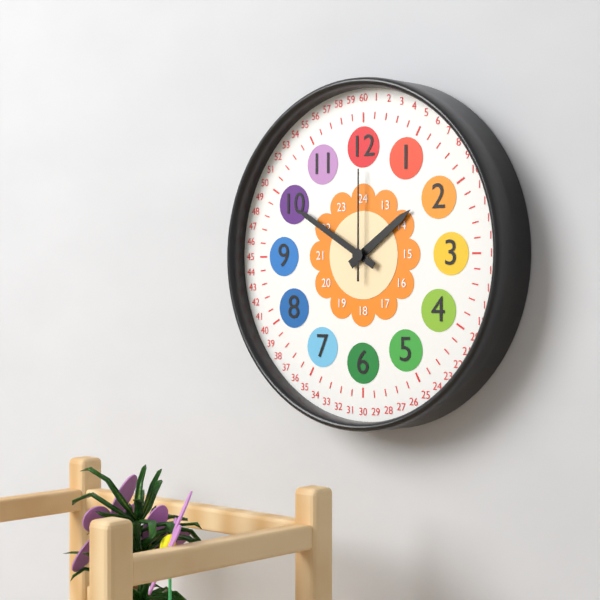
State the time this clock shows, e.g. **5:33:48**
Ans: **1:50:00**
